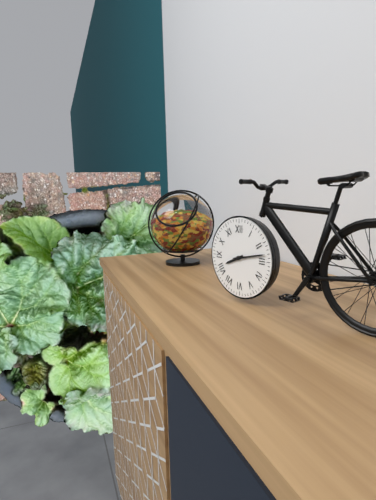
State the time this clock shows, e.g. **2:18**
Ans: **8:13**
